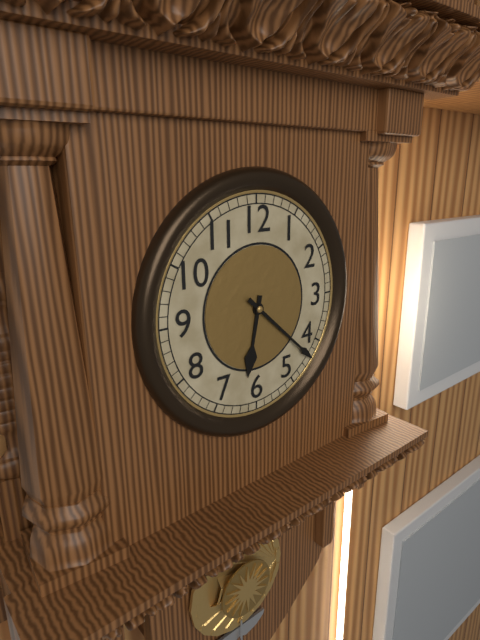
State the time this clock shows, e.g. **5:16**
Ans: **6:22**
